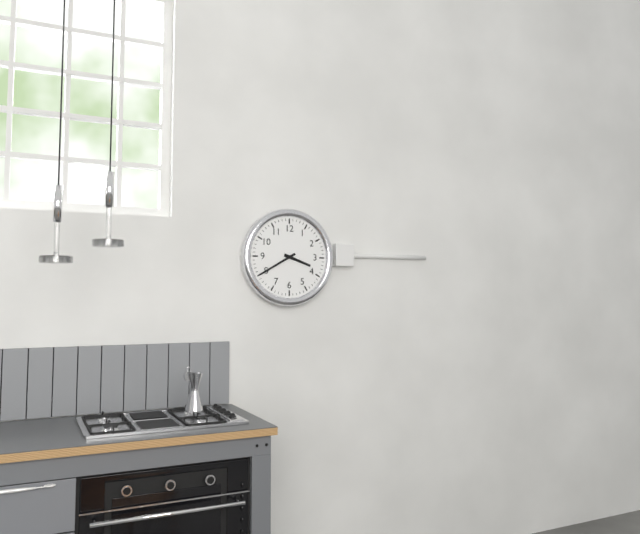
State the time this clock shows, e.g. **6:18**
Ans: **3:40**
